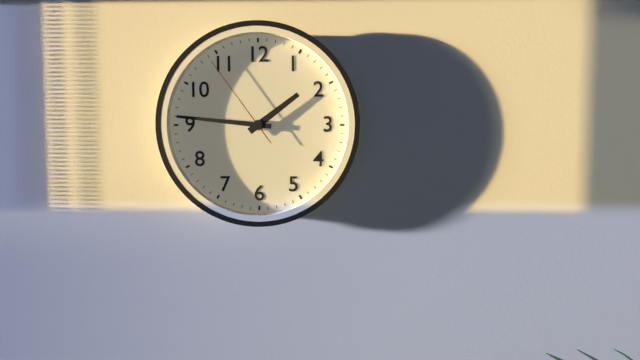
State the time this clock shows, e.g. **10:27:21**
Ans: **1:46:54**
